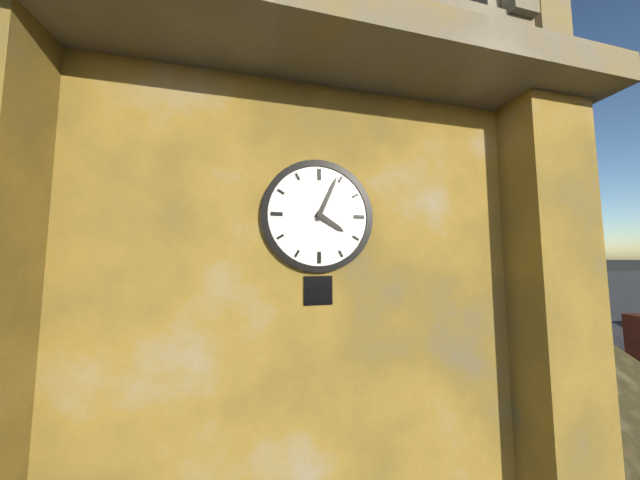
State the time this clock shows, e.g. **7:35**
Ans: **4:04**
